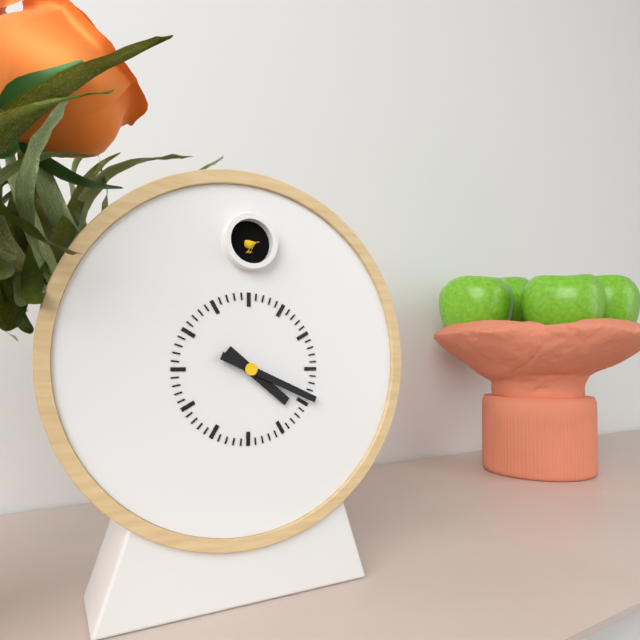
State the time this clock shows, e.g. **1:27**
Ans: **4:19**
